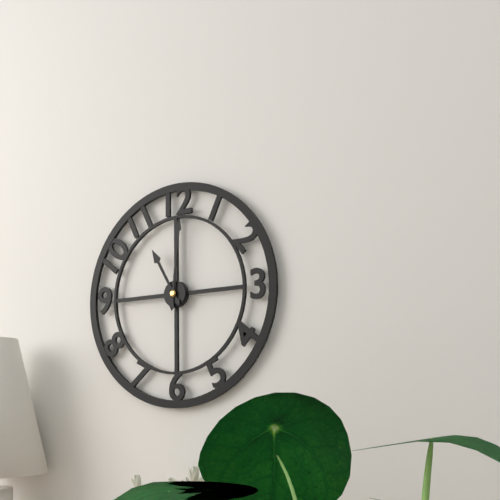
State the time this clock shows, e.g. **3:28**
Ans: **11:01**
